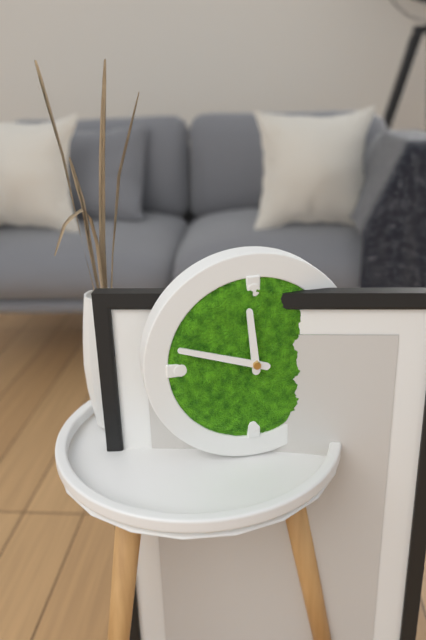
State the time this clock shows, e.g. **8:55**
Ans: **11:48**
